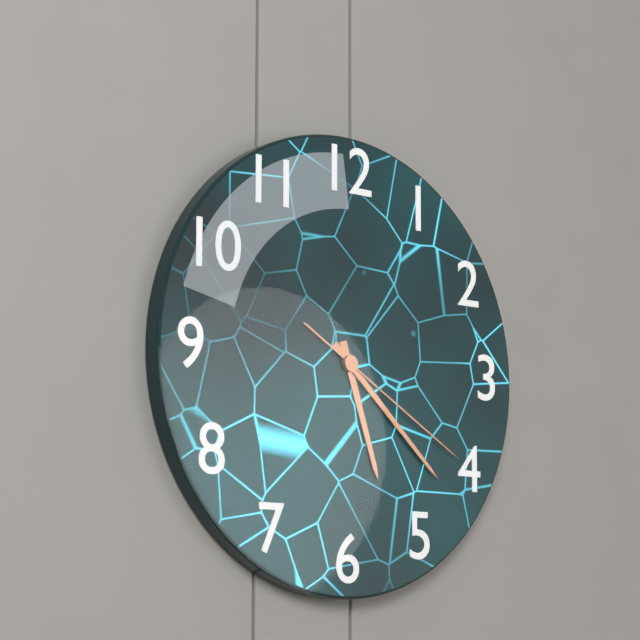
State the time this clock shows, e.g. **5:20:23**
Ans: **5:22:20**
